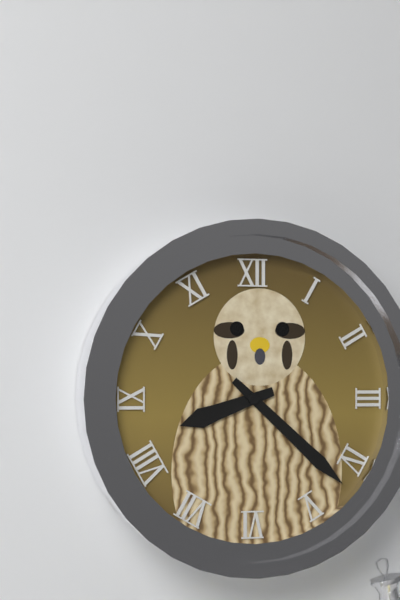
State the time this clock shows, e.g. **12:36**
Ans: **8:22**
